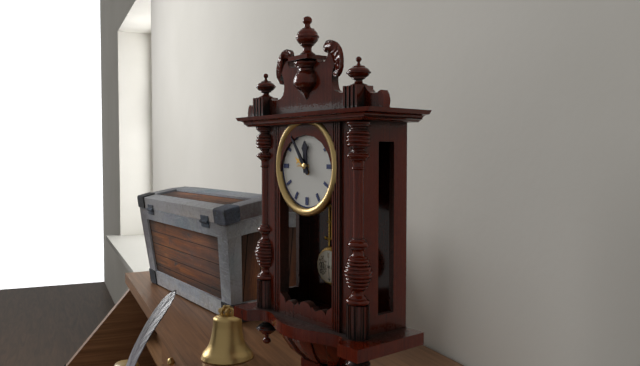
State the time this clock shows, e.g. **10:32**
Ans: **11:54**
